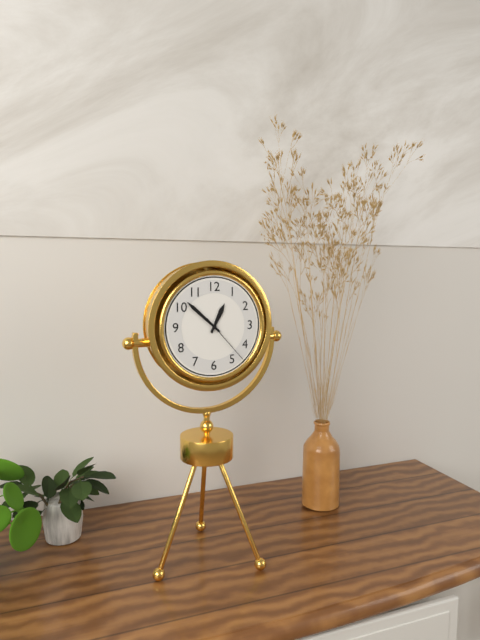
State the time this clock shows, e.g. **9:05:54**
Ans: **12:52:23**
